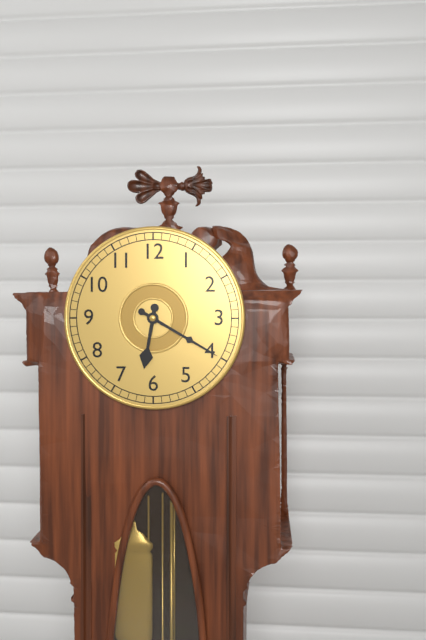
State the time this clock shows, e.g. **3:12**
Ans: **6:20**
